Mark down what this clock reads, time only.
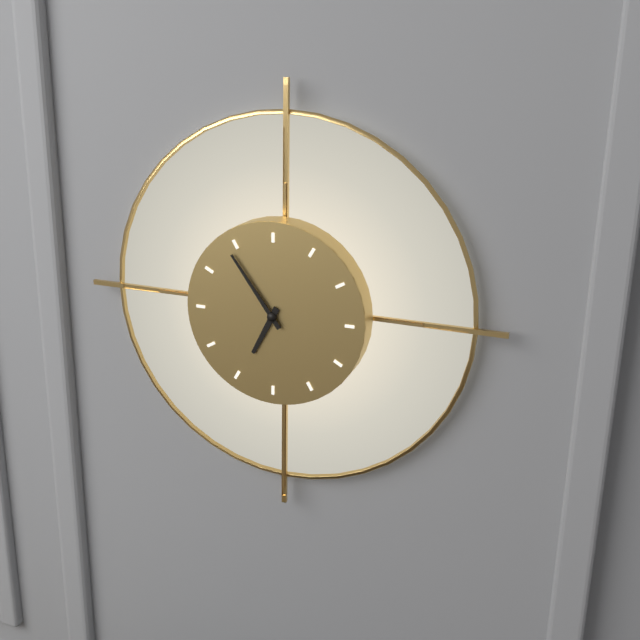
6:54
